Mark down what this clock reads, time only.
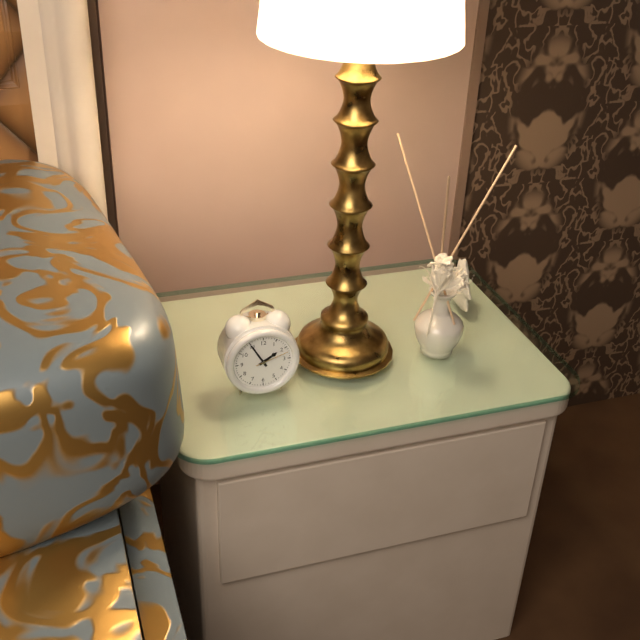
1:55
